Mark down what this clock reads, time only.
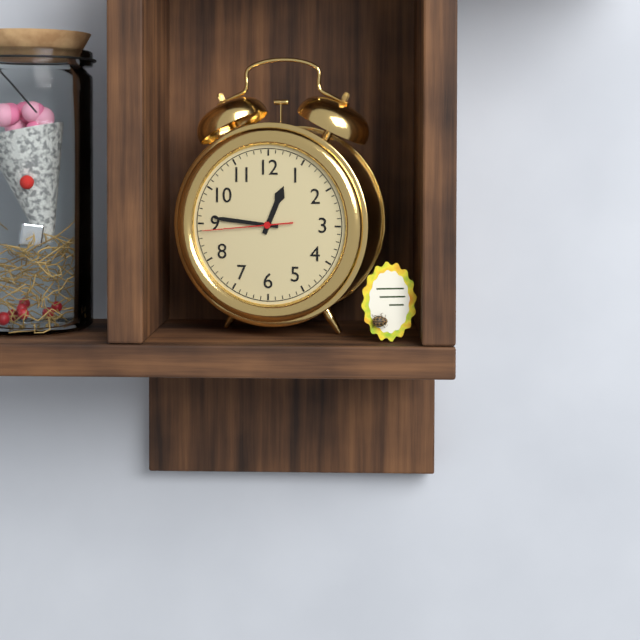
12:46:44
